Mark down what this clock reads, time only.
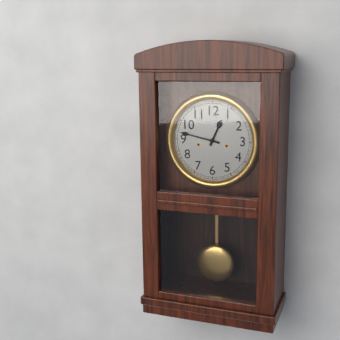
12:47
